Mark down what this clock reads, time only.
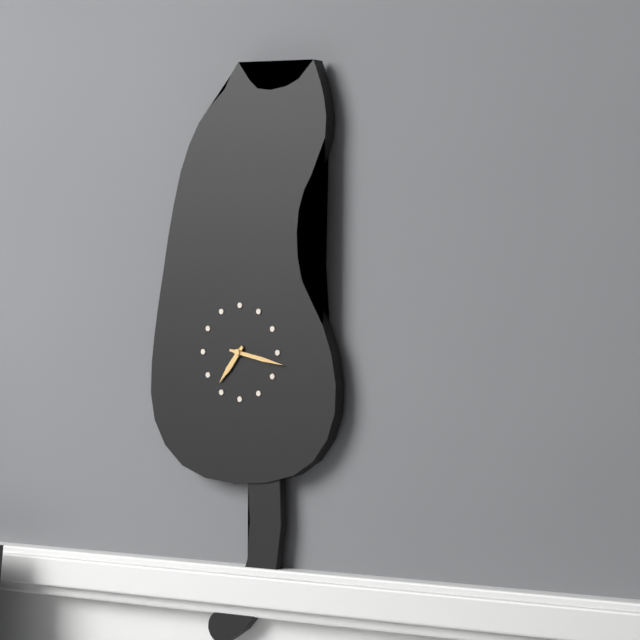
7:17
